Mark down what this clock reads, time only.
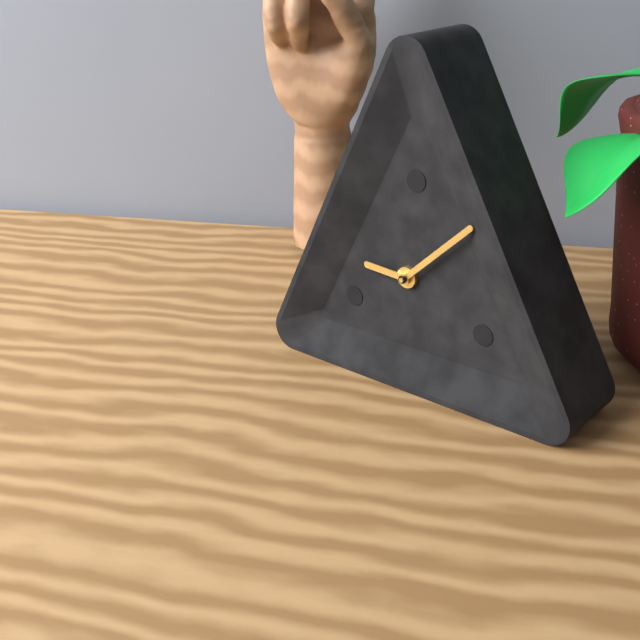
9:08
